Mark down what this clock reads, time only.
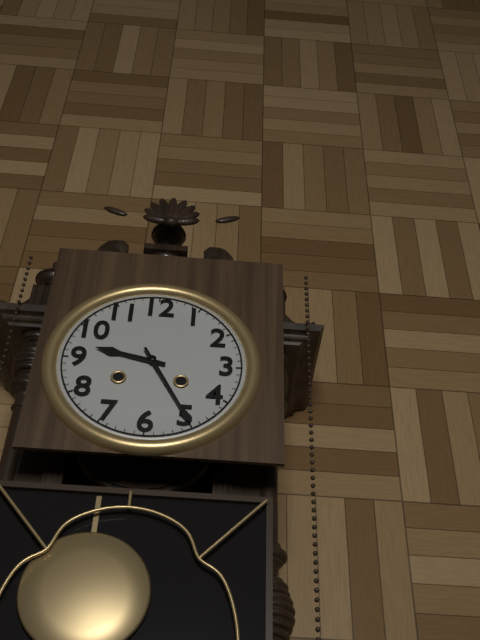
9:25
